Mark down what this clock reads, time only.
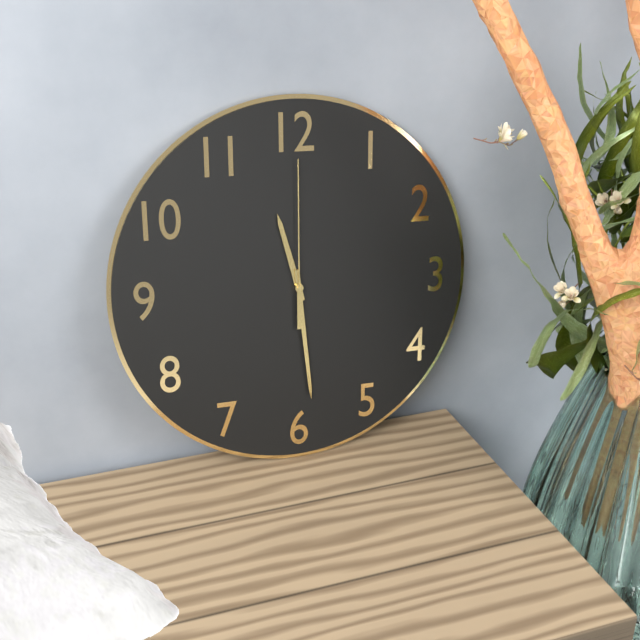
11:29:00
